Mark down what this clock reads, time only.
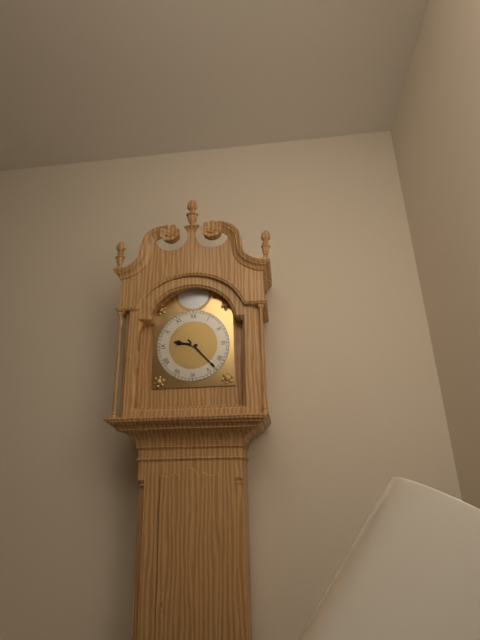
9:23
